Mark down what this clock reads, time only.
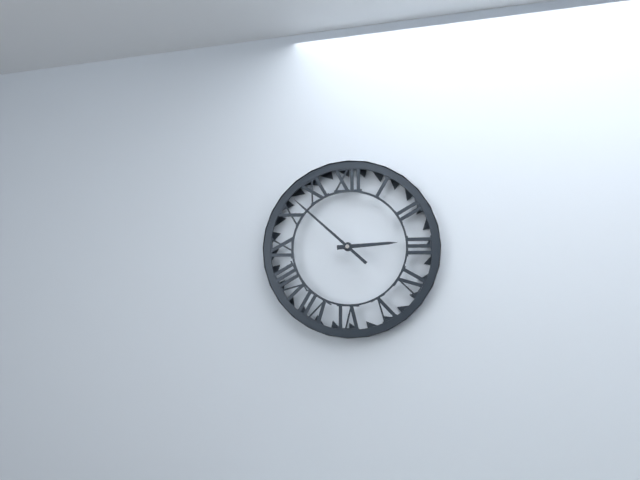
2:52
